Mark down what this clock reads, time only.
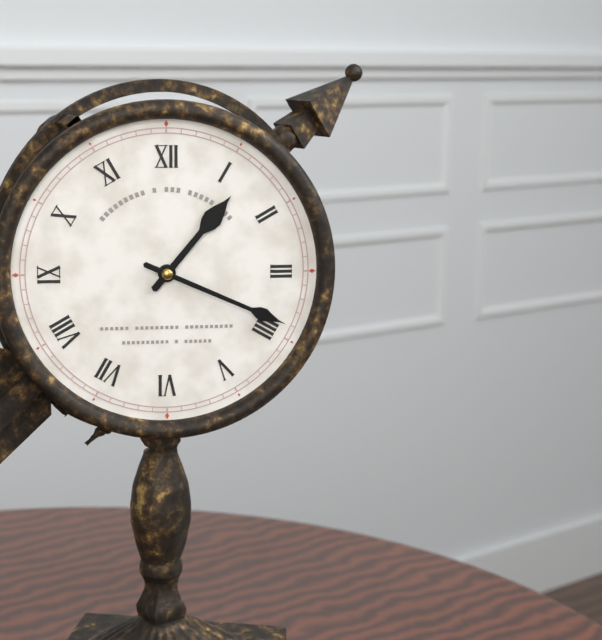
1:19
